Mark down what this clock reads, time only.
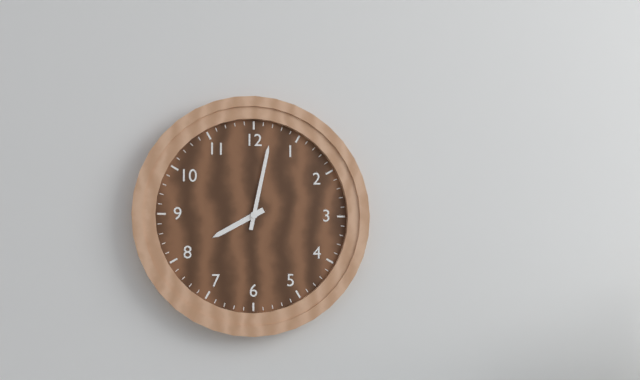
8:02
